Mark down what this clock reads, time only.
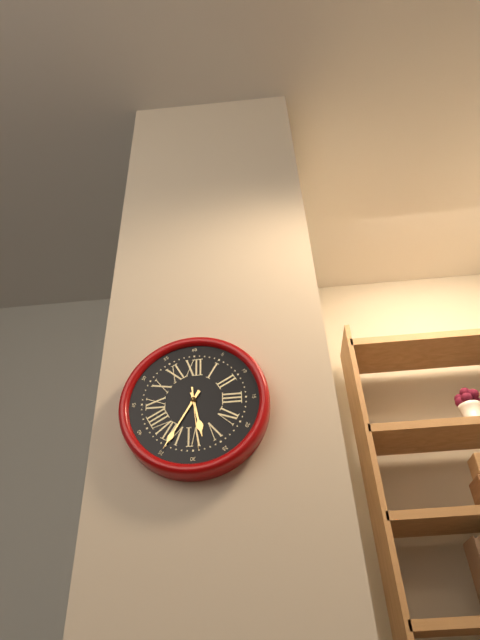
5:35:29
